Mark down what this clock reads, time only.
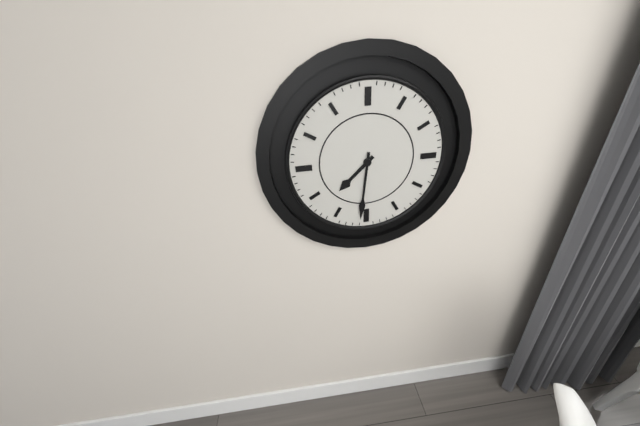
7:31
